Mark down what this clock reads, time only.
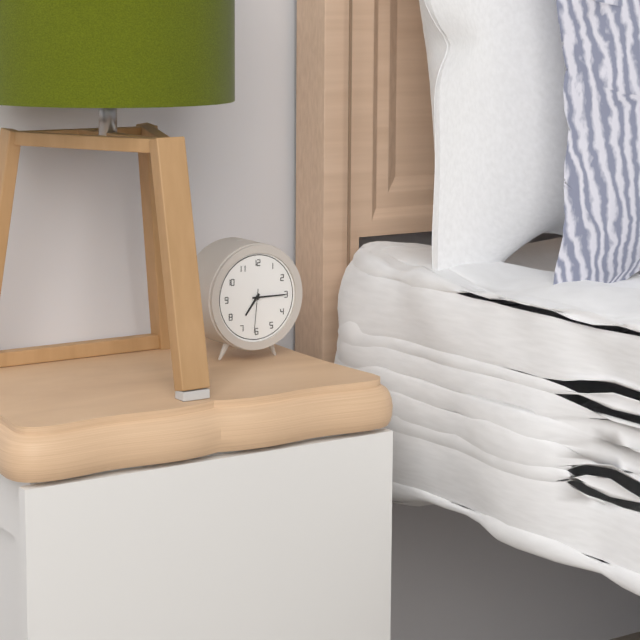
7:15
